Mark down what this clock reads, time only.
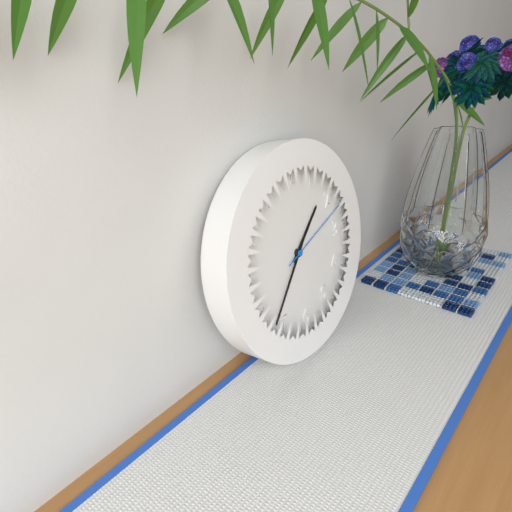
1:37:12
